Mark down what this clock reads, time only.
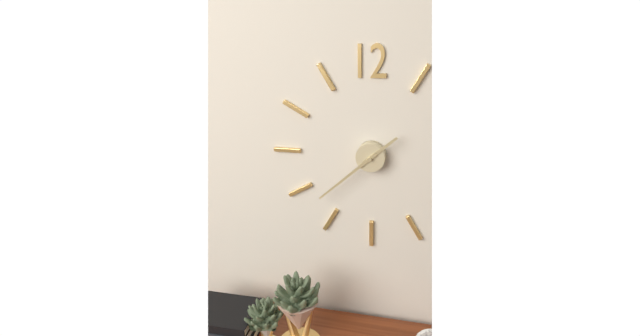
1:38
